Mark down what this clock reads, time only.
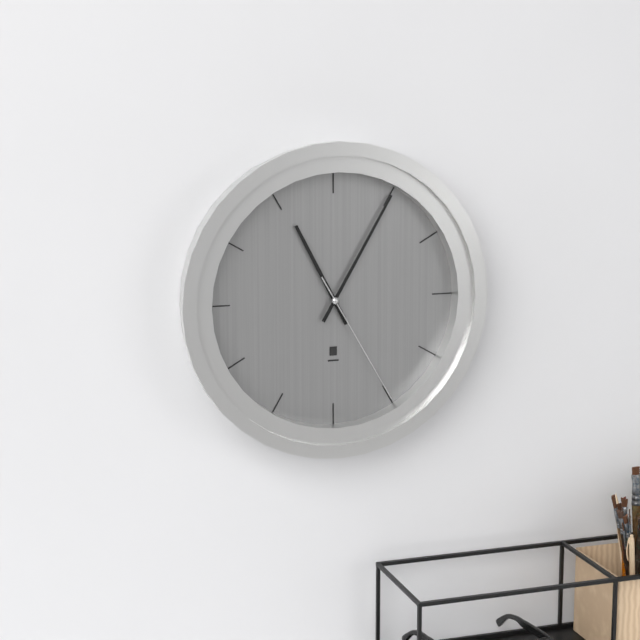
11:05:25
